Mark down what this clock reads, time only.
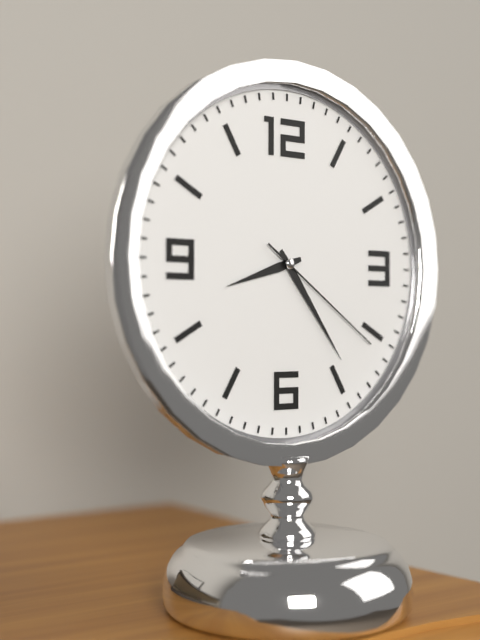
8:24:21
